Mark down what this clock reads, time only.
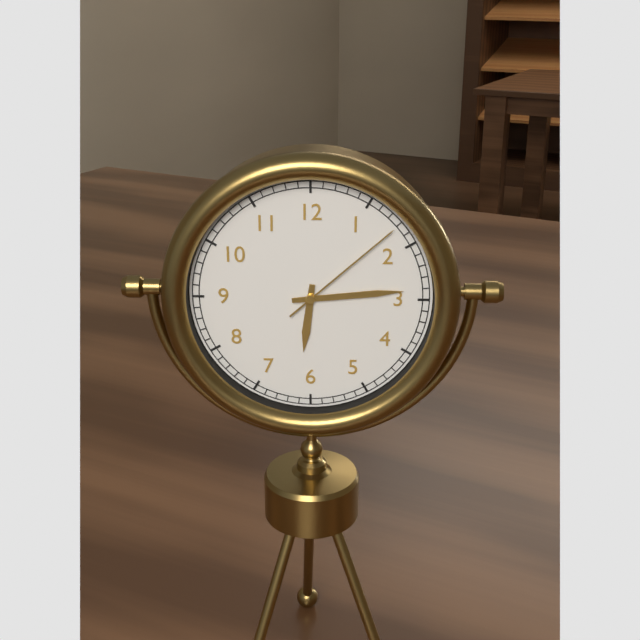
6:14:08
